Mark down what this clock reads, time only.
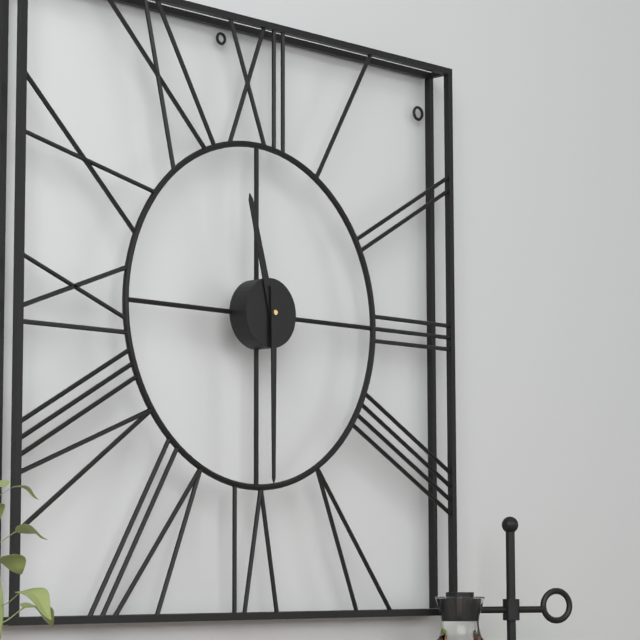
11:30
